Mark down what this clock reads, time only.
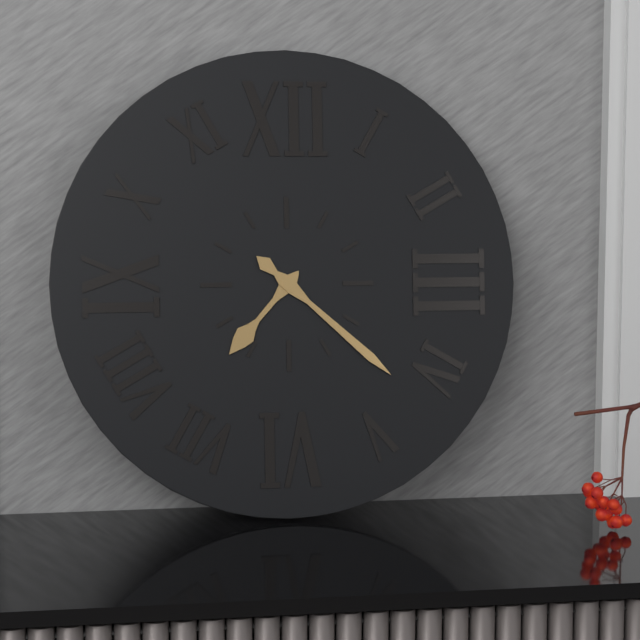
7:22
